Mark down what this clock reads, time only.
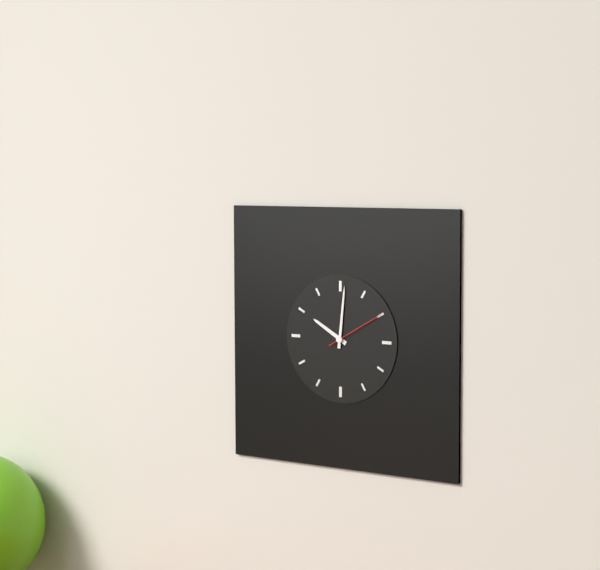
10:01:10
